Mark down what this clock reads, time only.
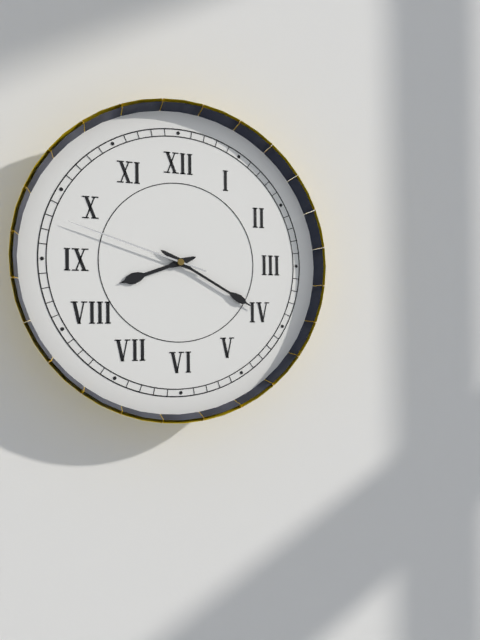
8:20:48
